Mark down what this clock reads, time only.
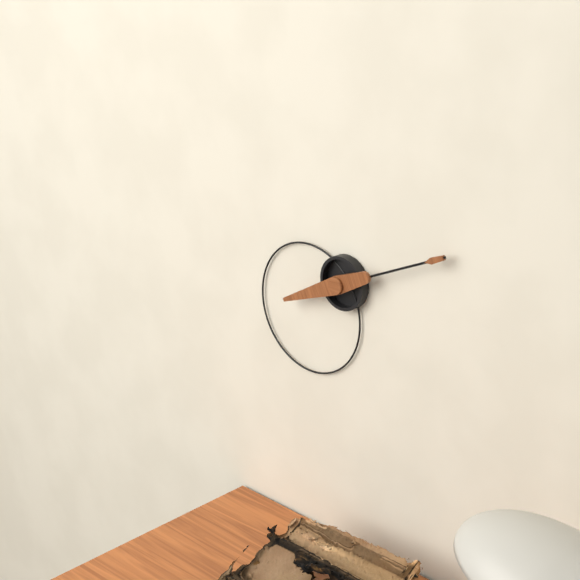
8:11
